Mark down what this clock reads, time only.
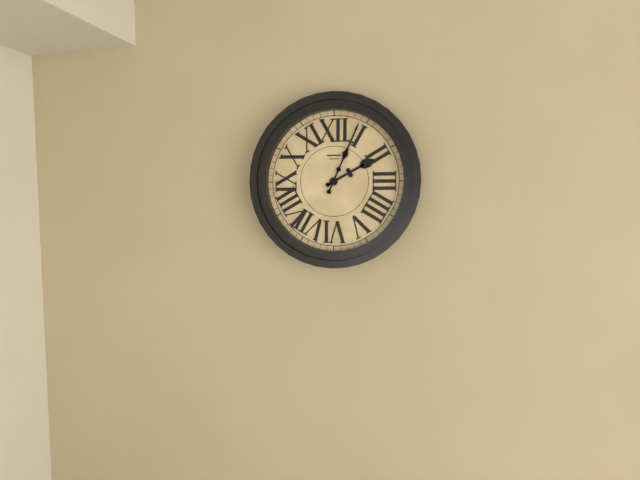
2:04
